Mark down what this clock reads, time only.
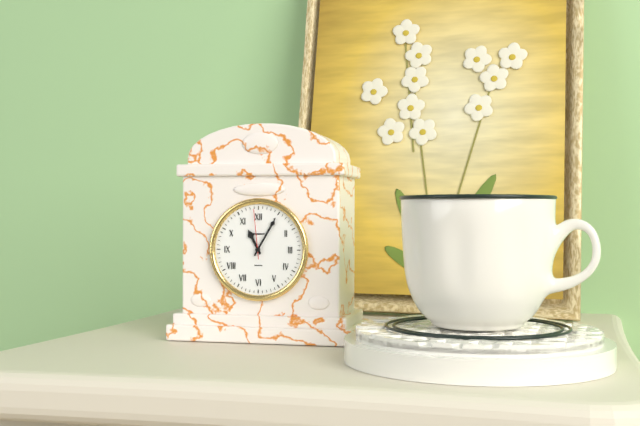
11:05:59
